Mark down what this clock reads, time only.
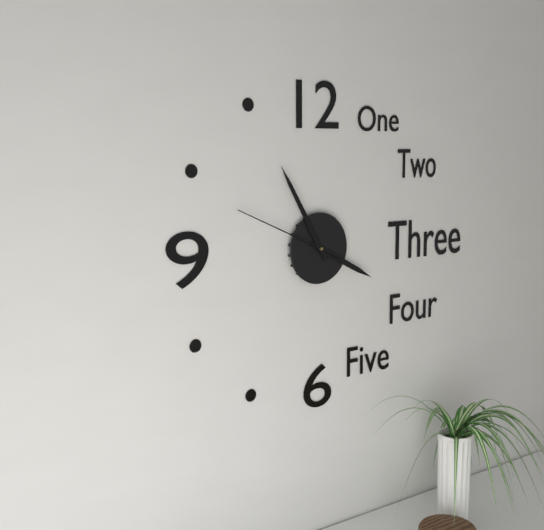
3:55:49
